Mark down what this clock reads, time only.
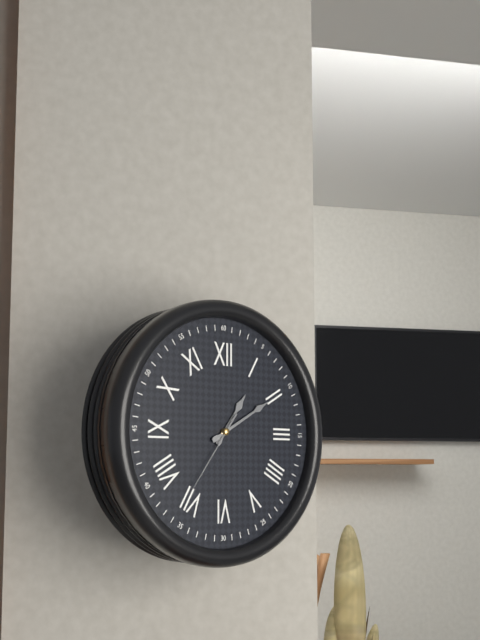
1:10:36
